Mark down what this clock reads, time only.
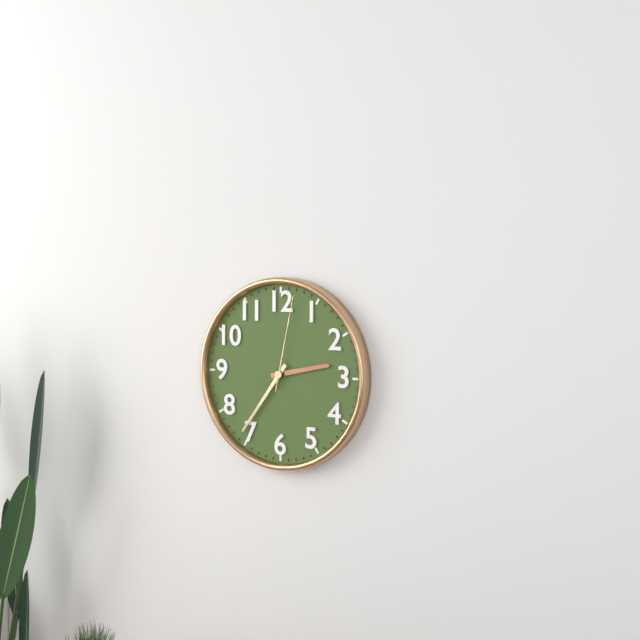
2:36:02
